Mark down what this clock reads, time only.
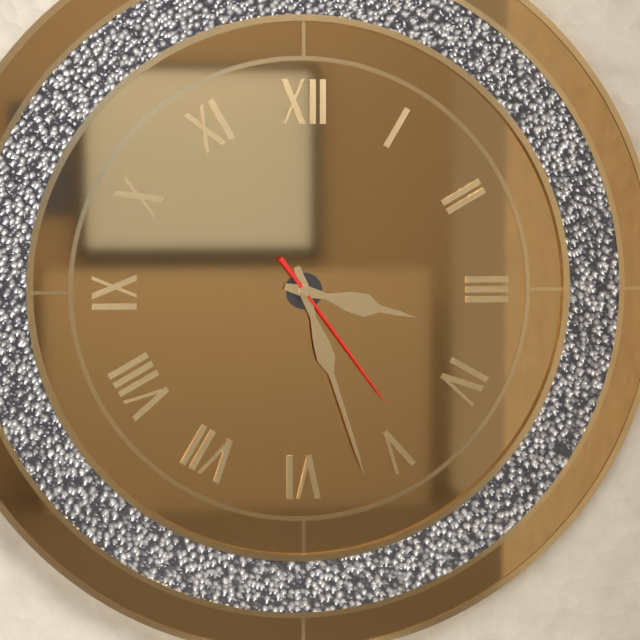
3:27:24
